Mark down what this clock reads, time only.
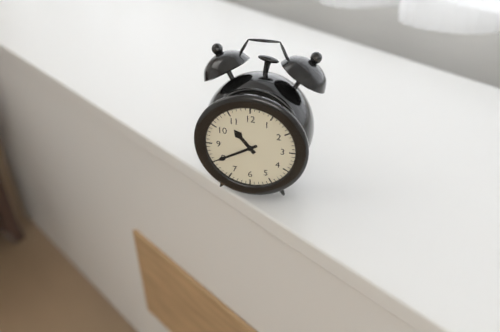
10:40
